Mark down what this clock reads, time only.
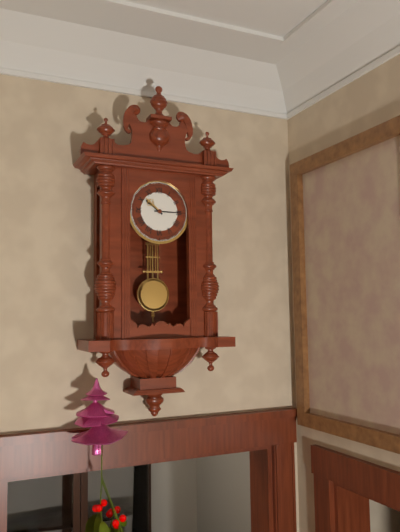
10:15
